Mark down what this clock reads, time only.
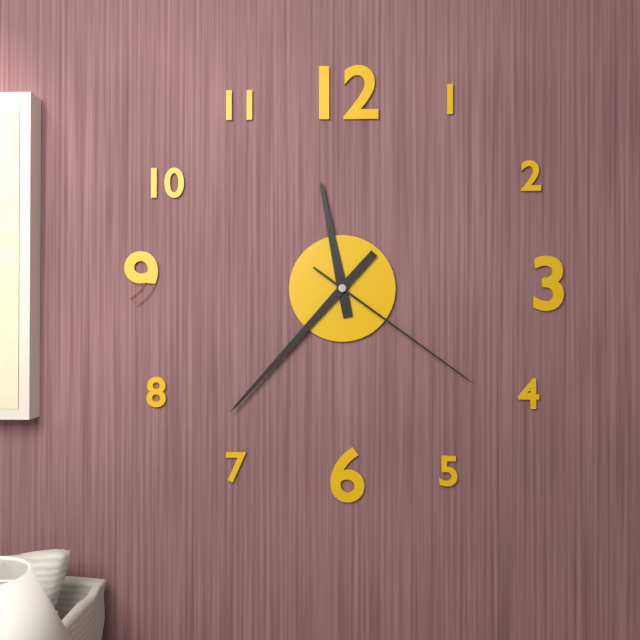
11:37:21
